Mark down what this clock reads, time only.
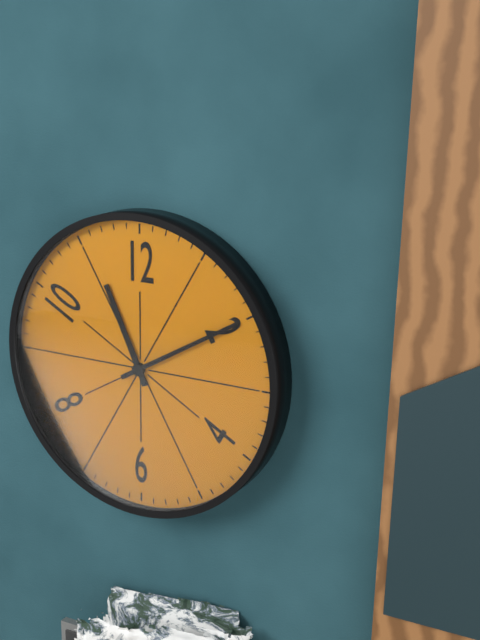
11:10
